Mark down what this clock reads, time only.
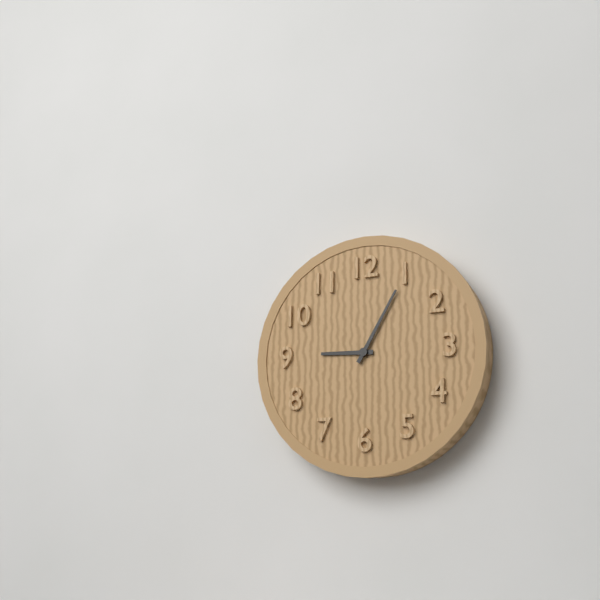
9:05
